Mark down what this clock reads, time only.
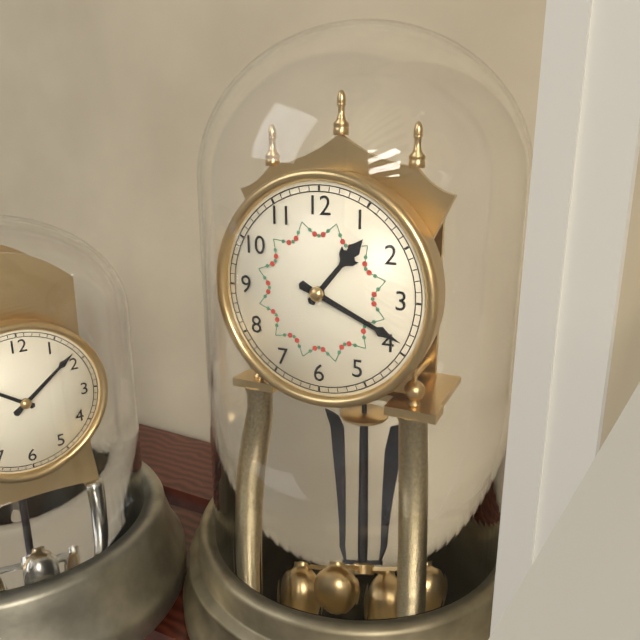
1:19
